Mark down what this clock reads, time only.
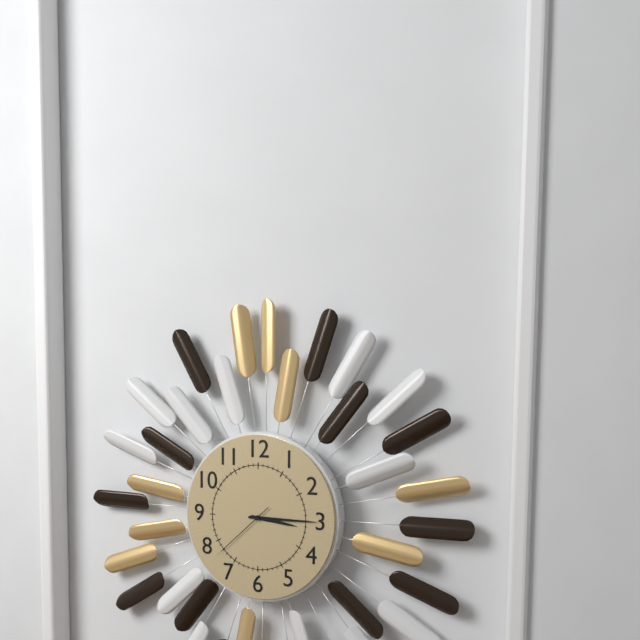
3:15:38
